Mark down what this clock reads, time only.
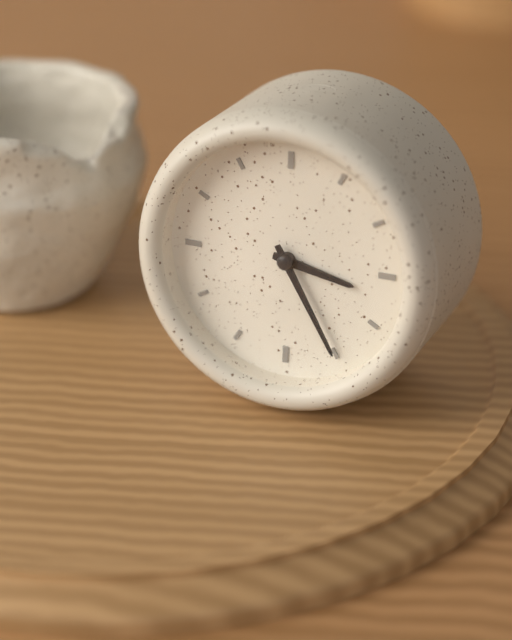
3:25
